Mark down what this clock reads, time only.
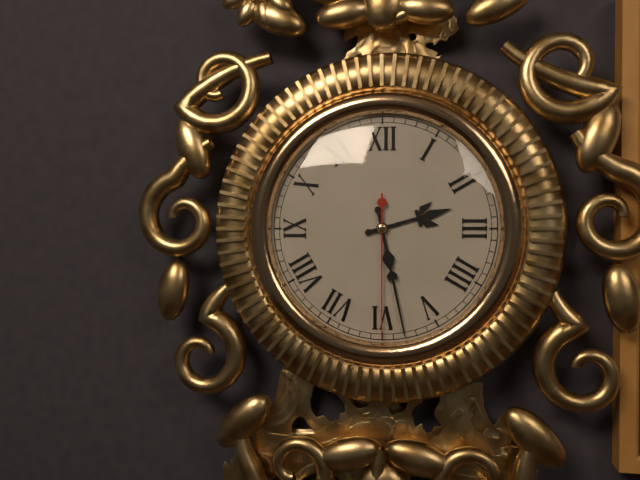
2:28:30
